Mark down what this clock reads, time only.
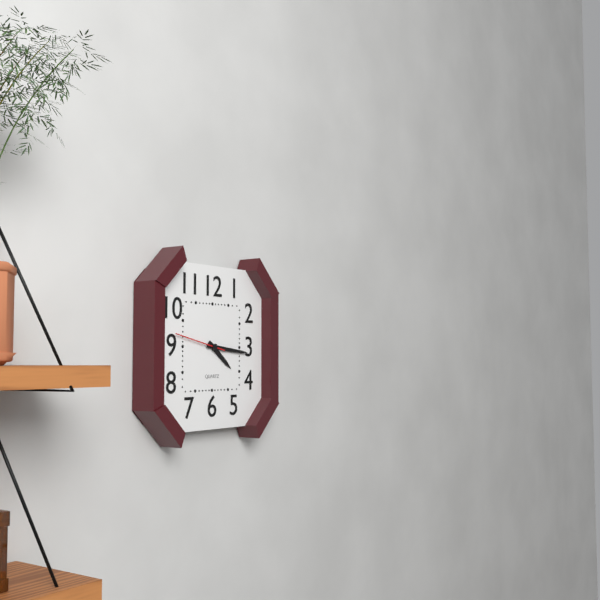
4:16:47
